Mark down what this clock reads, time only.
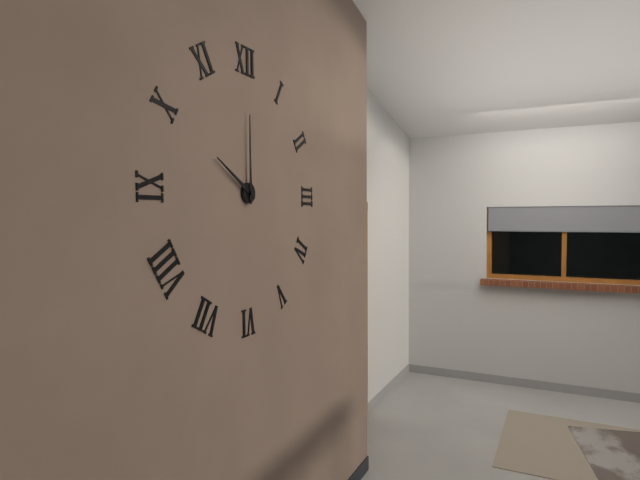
10:00
